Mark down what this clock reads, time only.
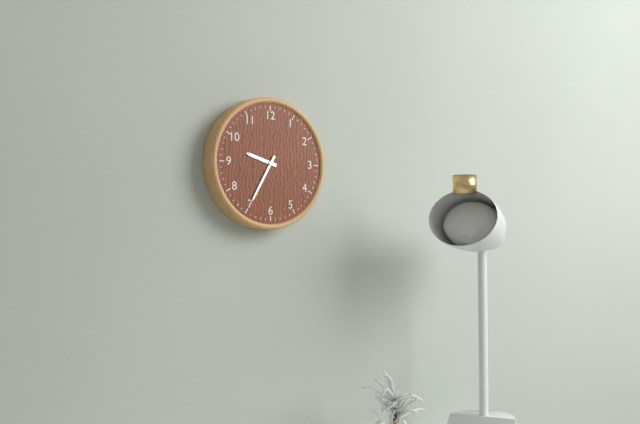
9:35
